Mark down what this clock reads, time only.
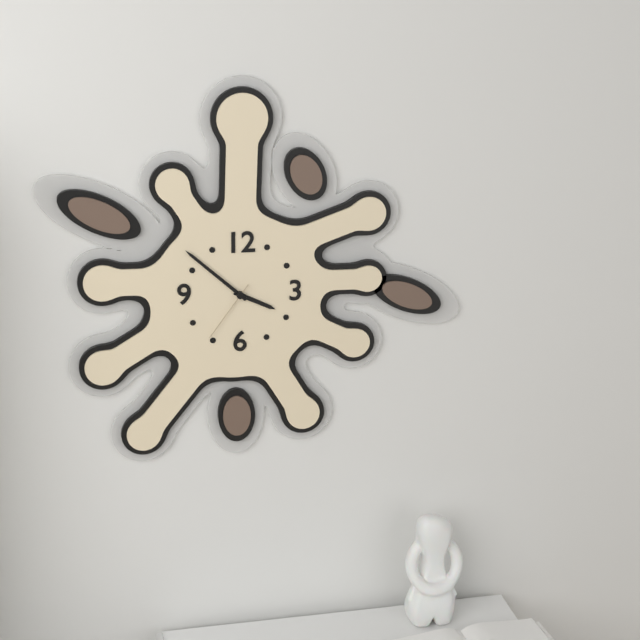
3:52:36
